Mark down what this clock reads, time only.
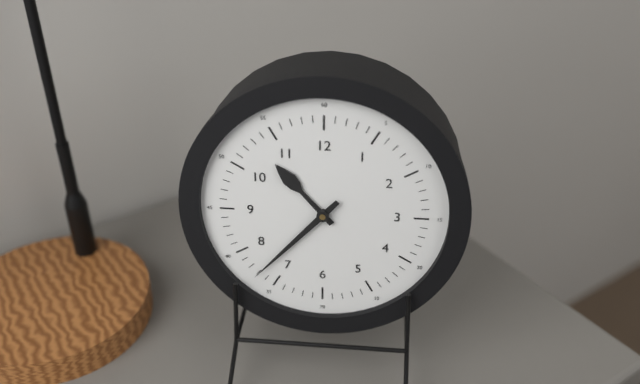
10:37
